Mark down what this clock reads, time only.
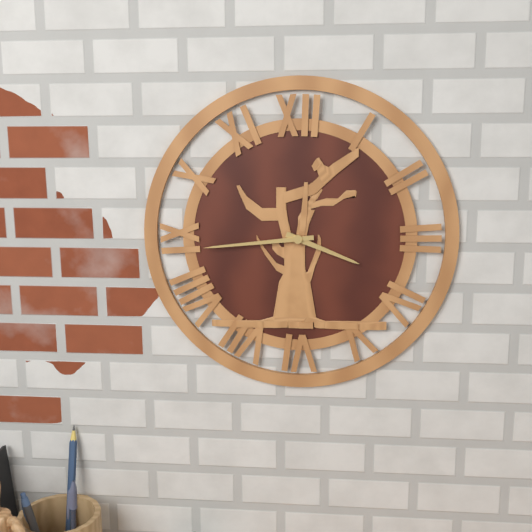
3:44
